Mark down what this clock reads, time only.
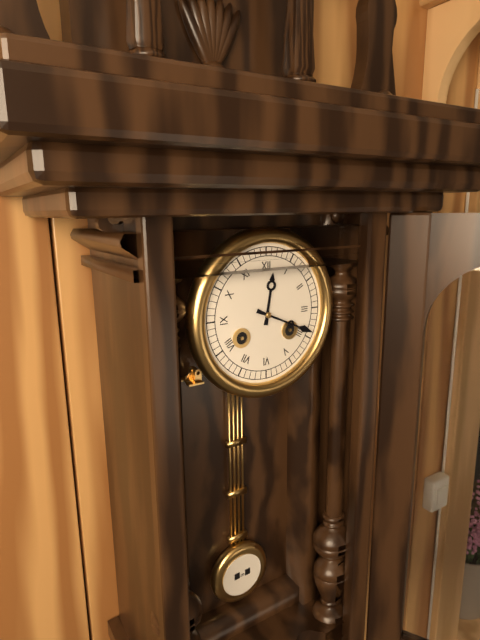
12:19
